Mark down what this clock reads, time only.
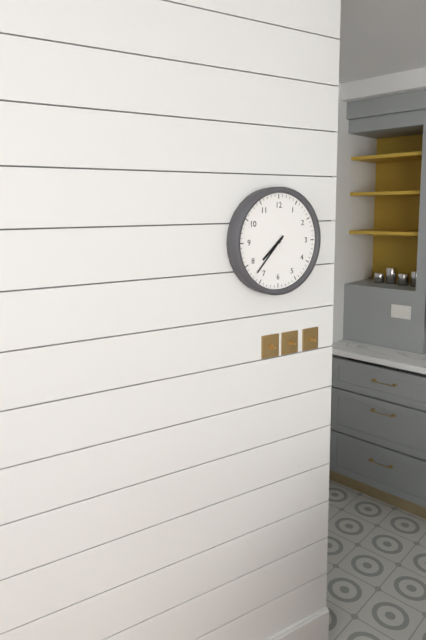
7:37
